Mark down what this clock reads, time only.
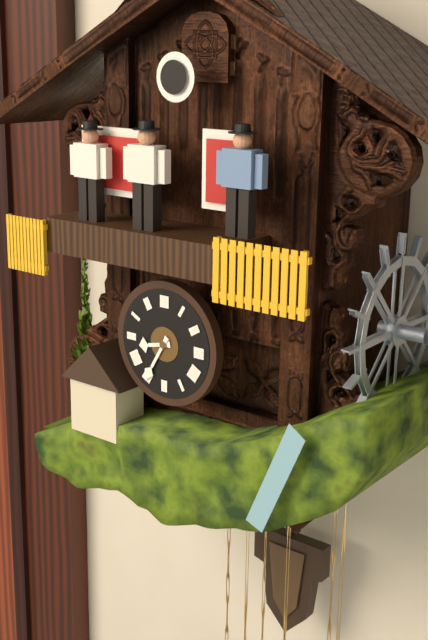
8:35
